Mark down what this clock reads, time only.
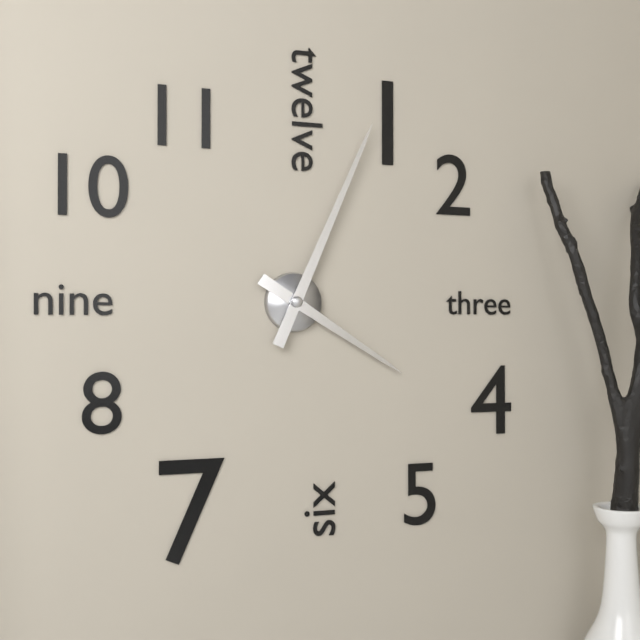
4:04
